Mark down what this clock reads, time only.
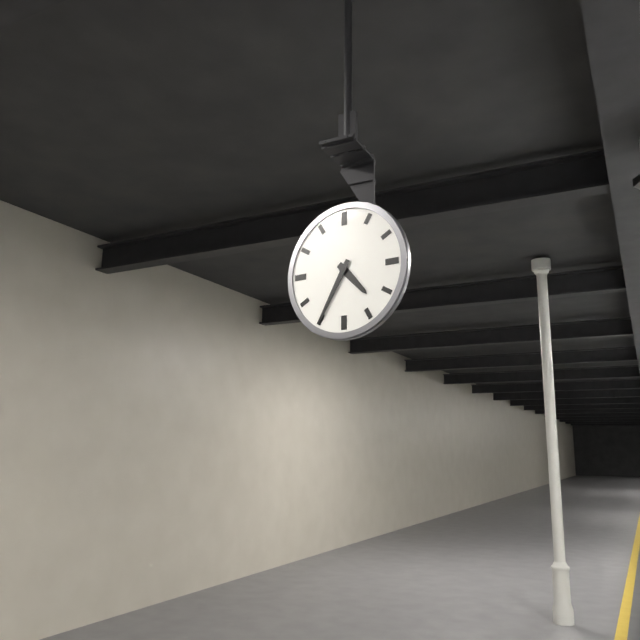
4:35
